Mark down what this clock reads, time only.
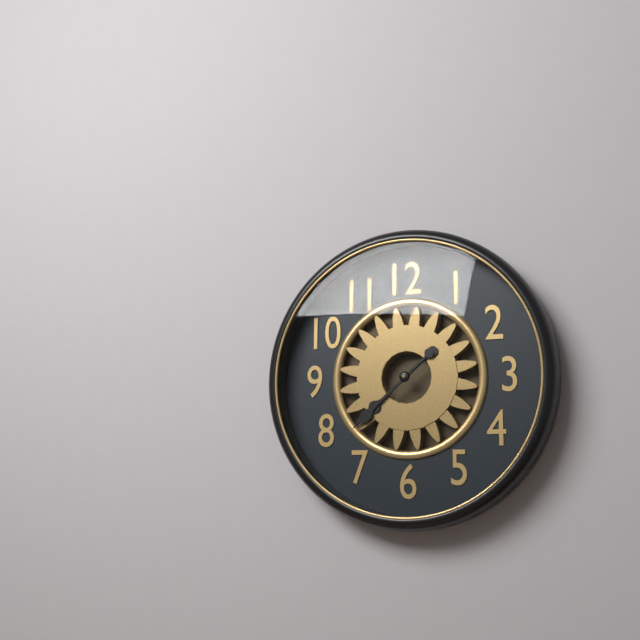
7:38
